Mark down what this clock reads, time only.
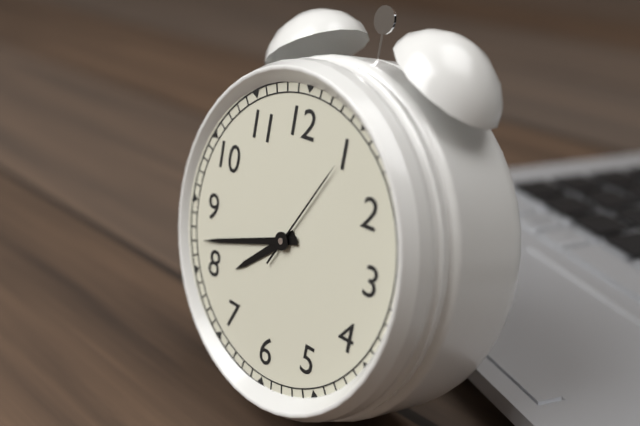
7:42:05
